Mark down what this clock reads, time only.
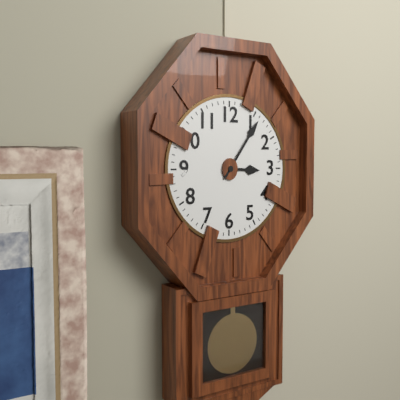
3:06
